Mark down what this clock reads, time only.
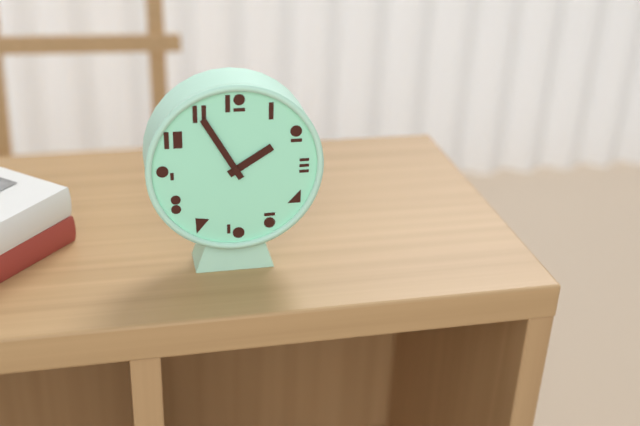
1:55
